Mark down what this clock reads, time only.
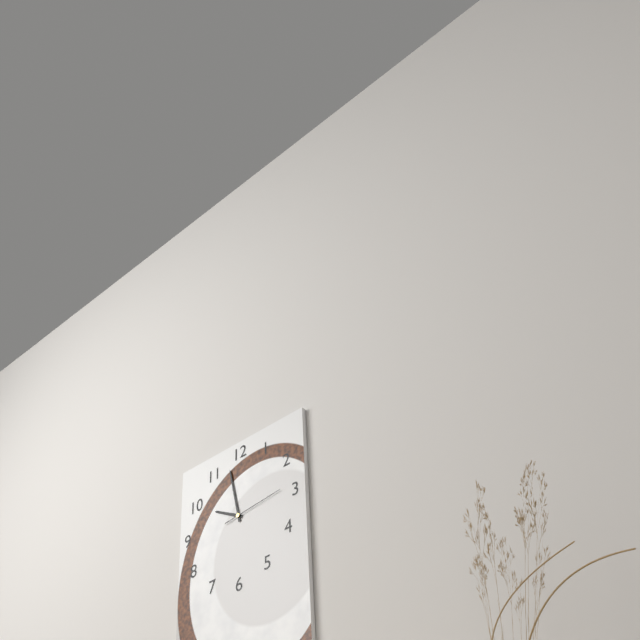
9:58:14
